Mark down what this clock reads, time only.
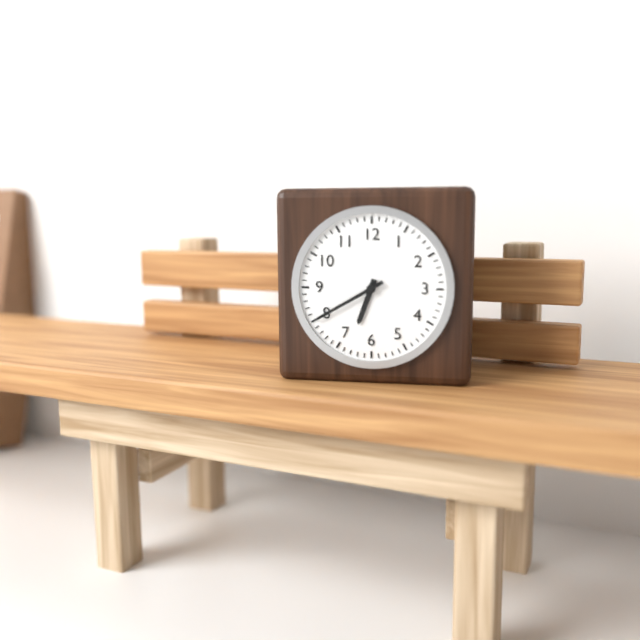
6:40
